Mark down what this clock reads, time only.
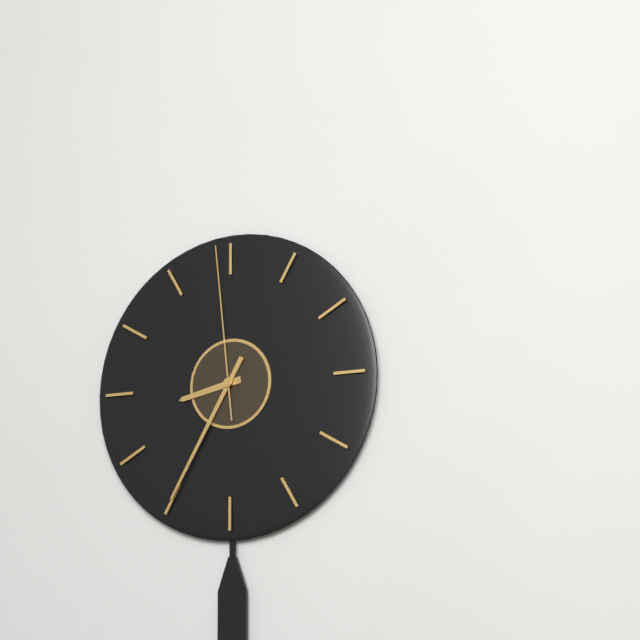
8:35:59
